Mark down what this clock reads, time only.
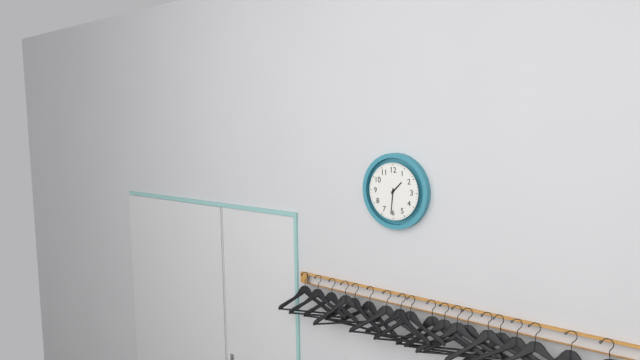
1:31
